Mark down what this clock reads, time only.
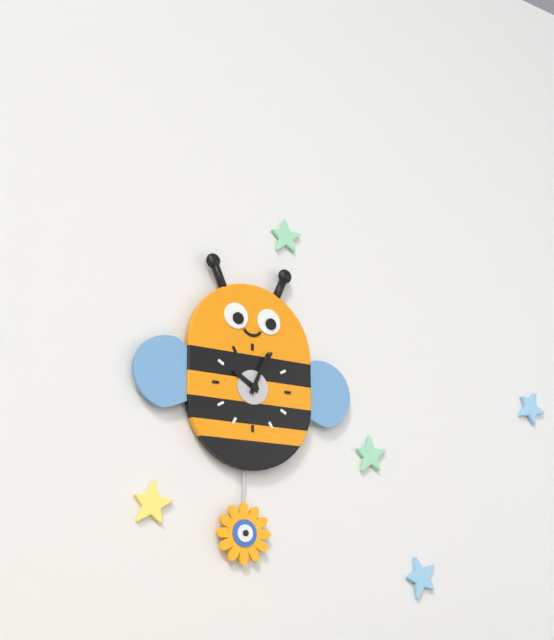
10:04
